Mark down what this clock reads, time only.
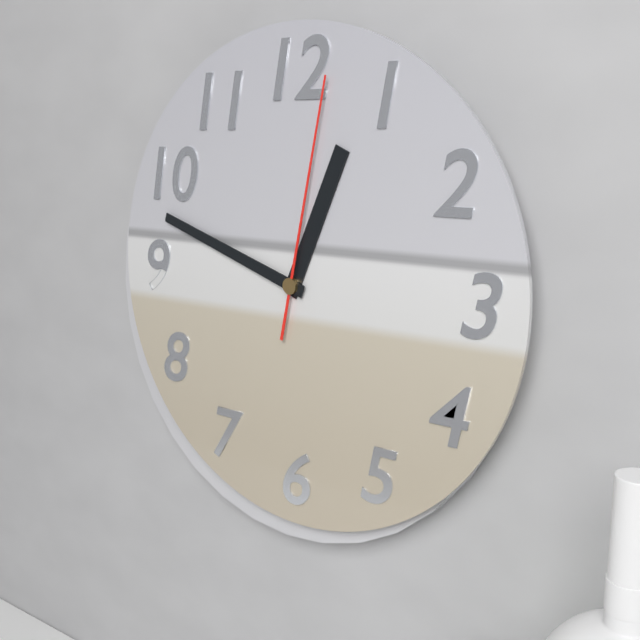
12:48:02
